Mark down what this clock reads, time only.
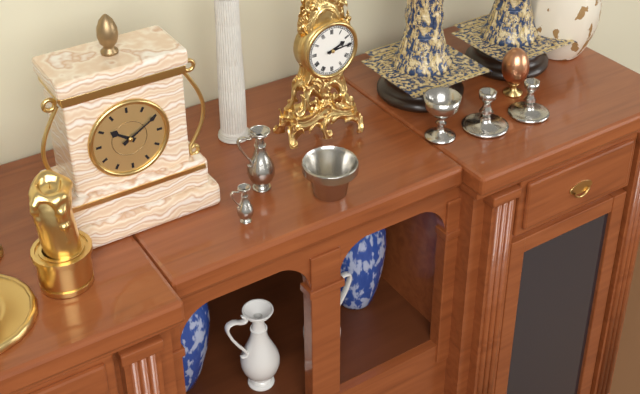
2:14
